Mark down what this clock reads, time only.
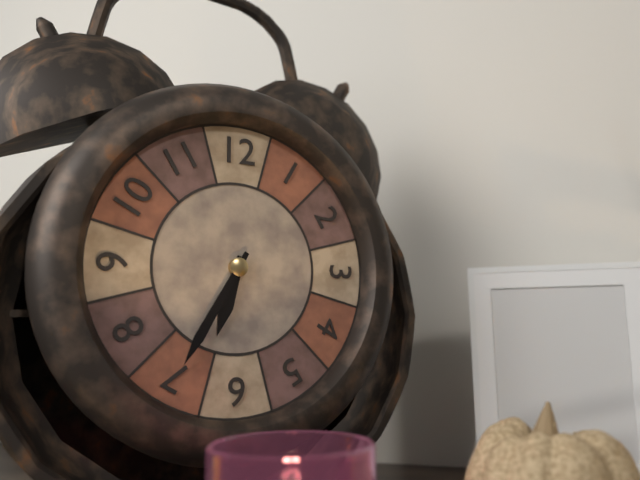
6:35
